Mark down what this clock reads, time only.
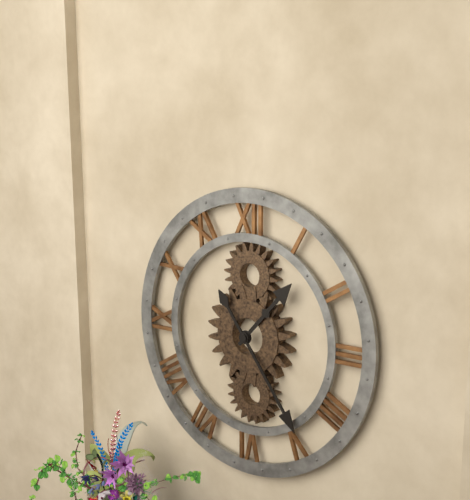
1:24
